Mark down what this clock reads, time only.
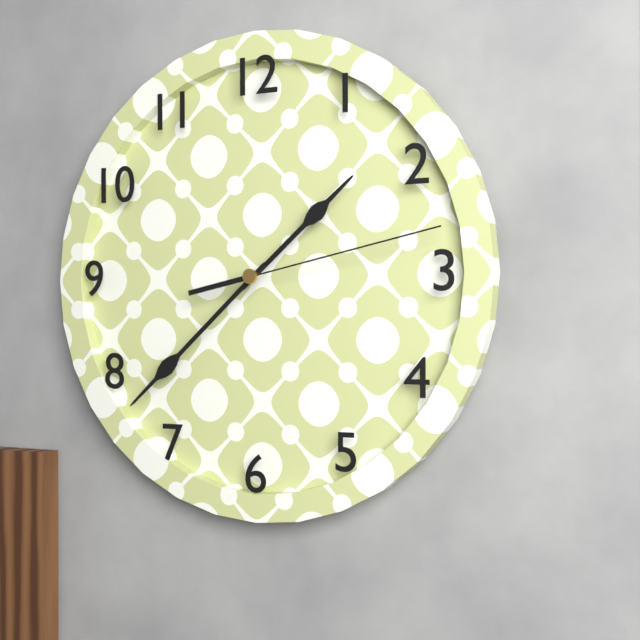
1:38:13
